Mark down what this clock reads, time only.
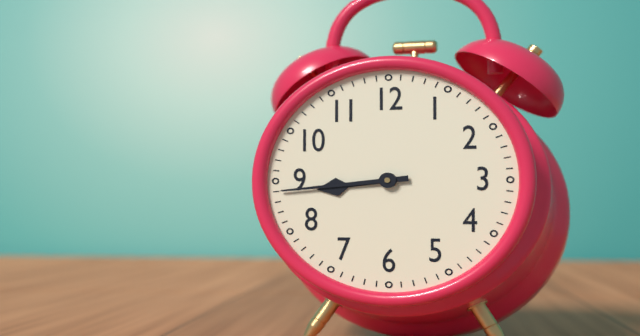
8:44
